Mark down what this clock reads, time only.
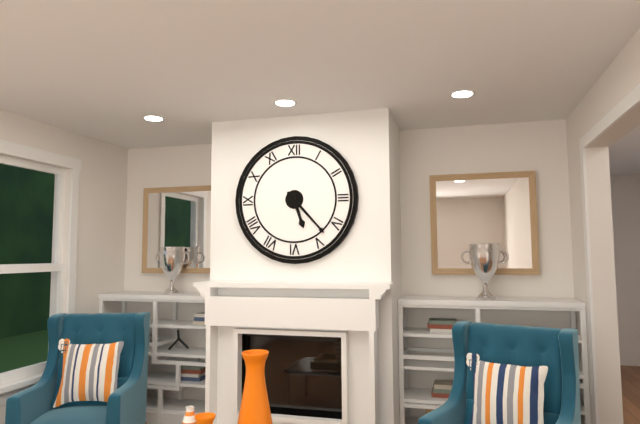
5:23
